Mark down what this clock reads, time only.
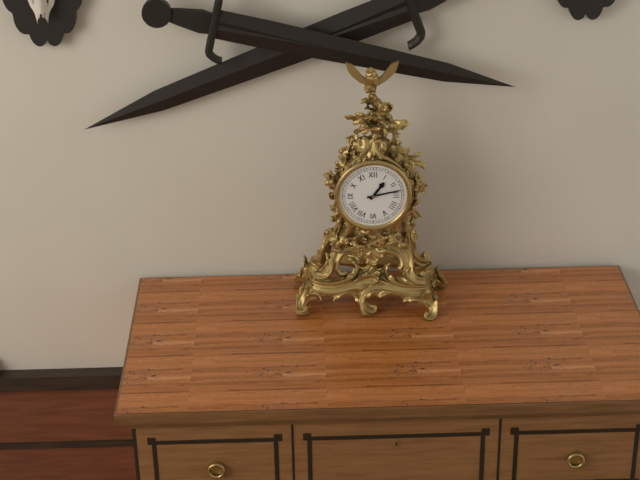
1:13
